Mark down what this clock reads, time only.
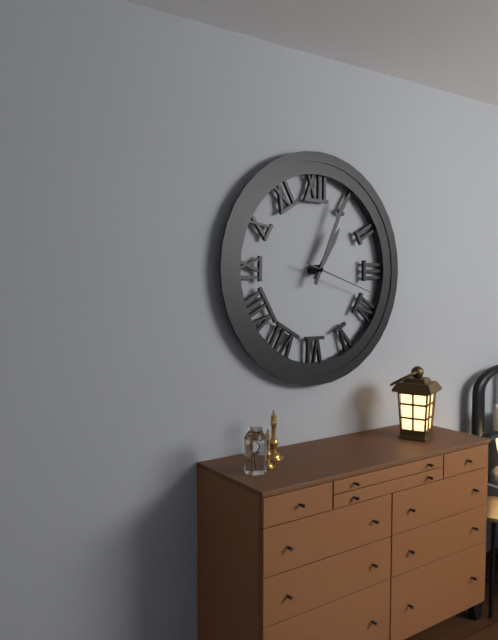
1:04:18
